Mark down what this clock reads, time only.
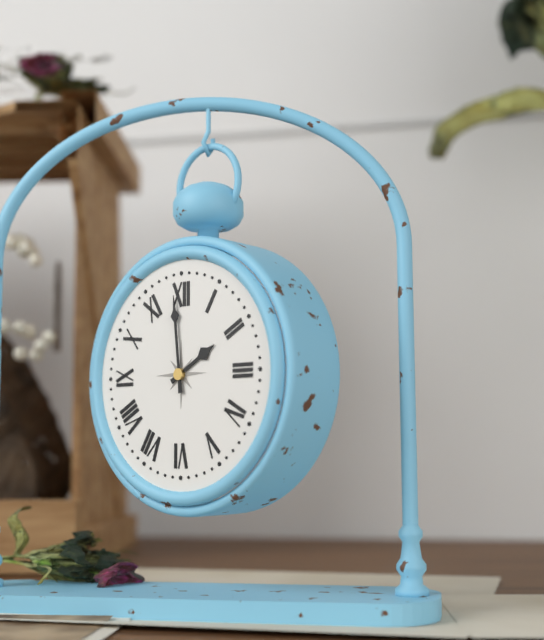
1:59
